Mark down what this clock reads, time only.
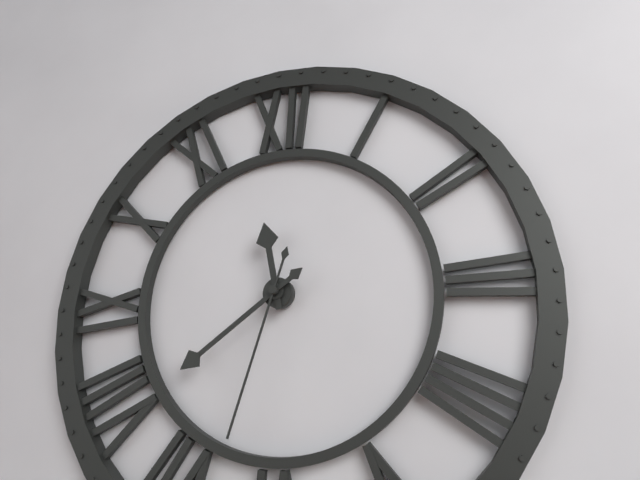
11:39:33
